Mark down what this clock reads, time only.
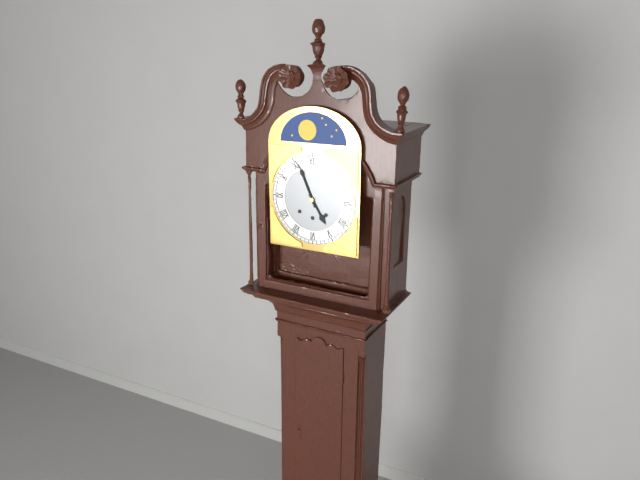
4:56
